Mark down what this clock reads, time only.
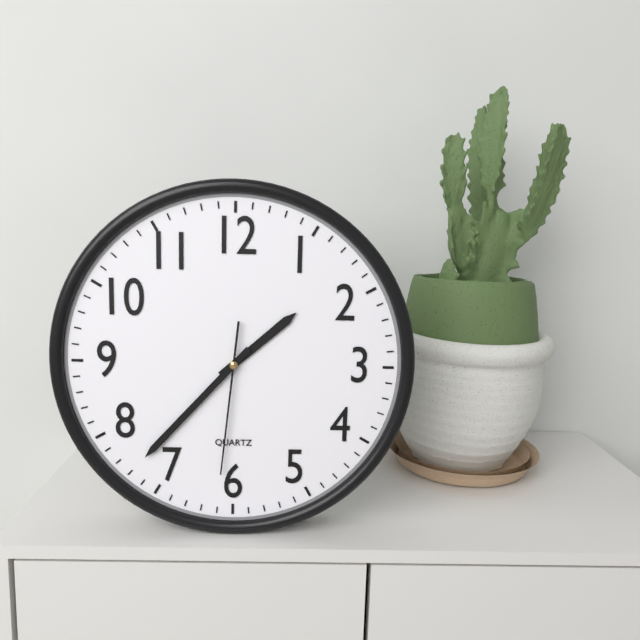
1:37:31
